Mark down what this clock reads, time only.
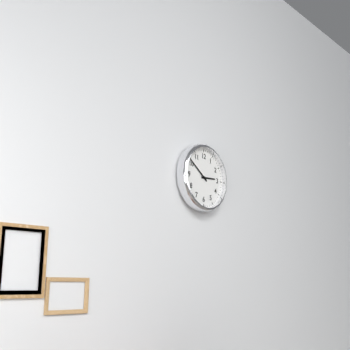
2:51
